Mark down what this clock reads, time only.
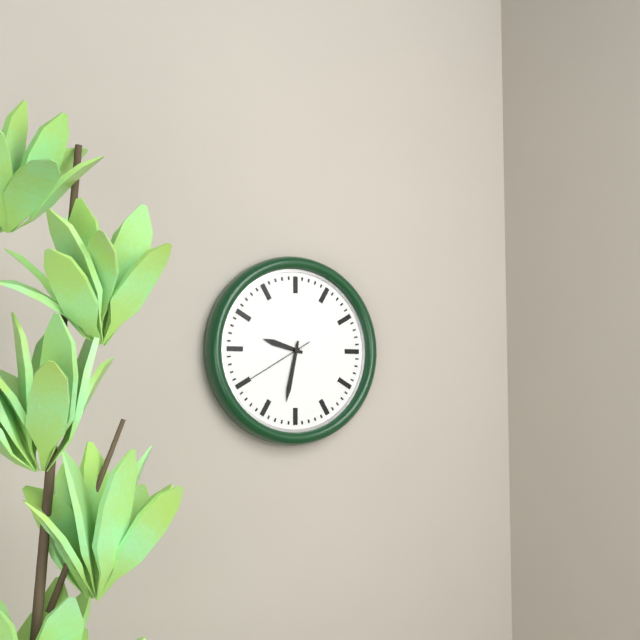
9:32:40
